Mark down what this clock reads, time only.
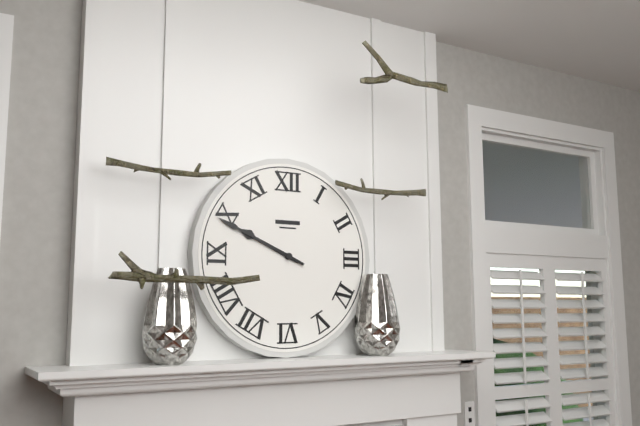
9:49
